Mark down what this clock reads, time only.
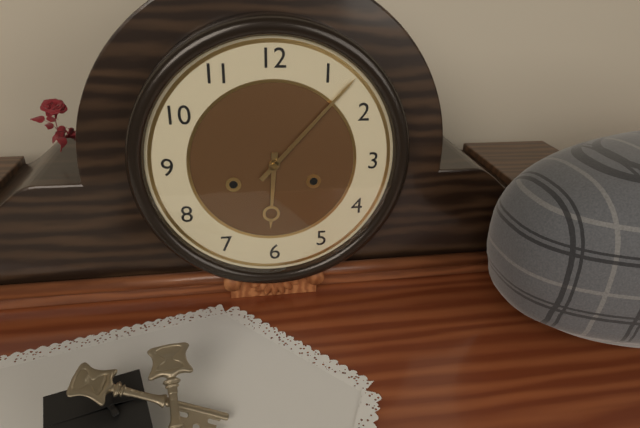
6:07
